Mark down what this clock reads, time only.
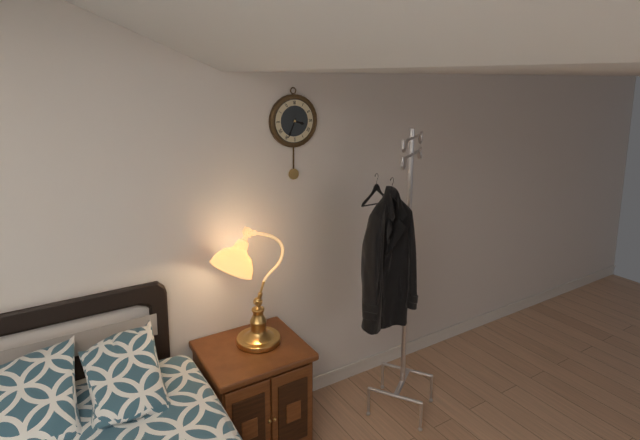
3:34
